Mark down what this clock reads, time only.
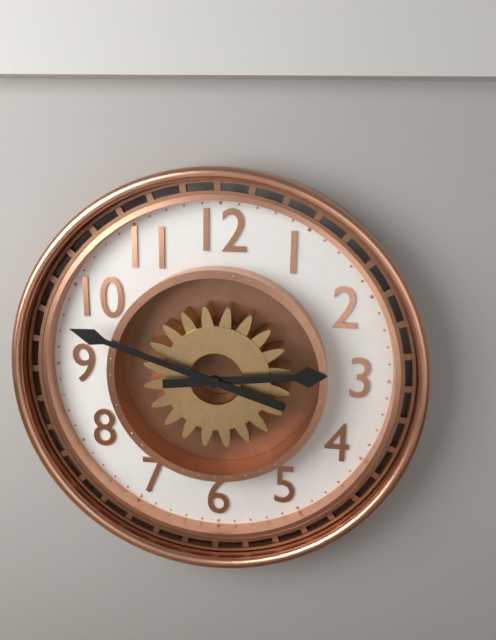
2:48
